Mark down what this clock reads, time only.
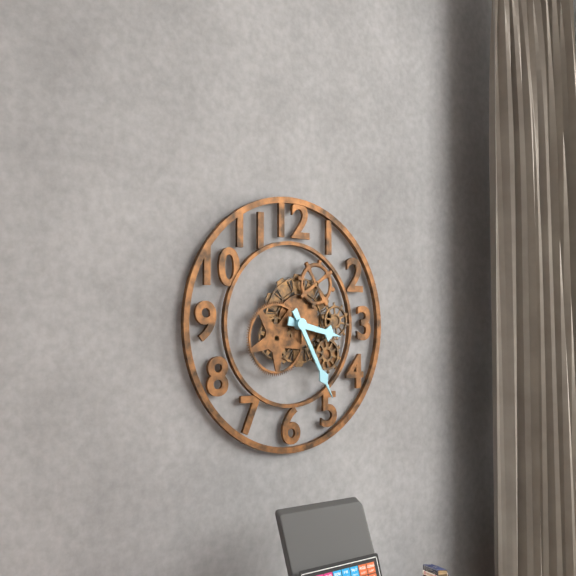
3:25
